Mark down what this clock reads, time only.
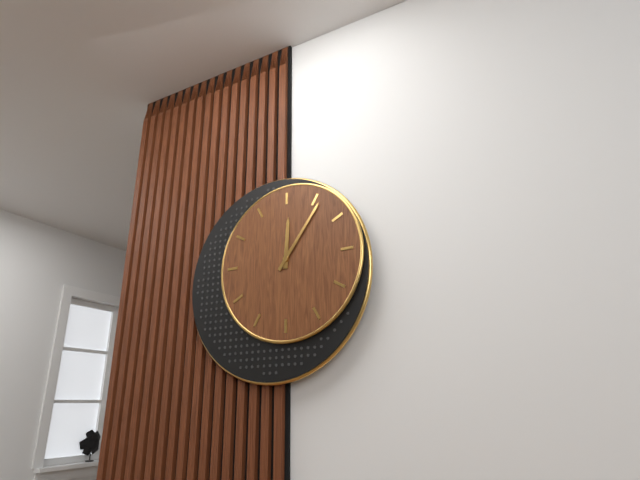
12:06
